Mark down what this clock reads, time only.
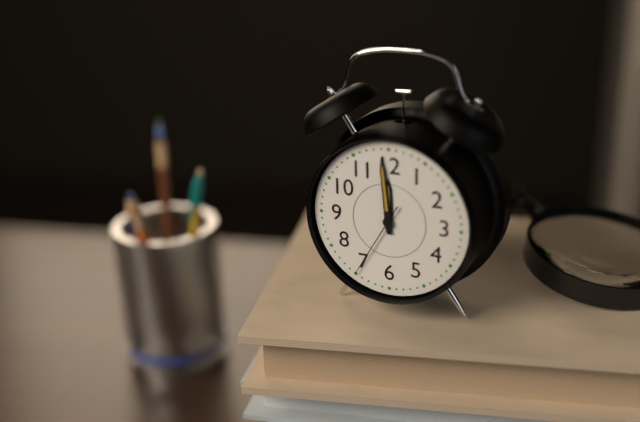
11:59:35
